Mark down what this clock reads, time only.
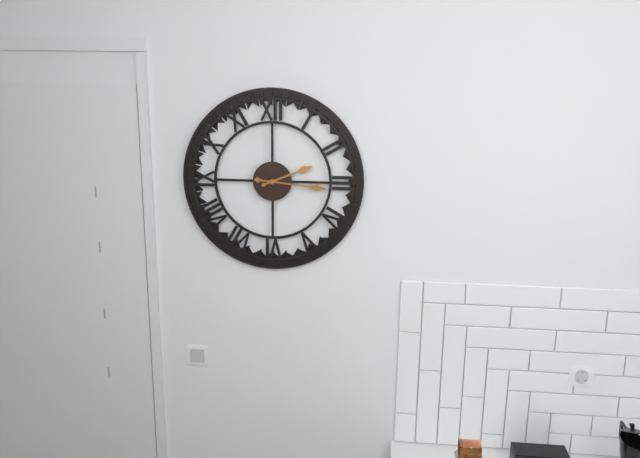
2:16
